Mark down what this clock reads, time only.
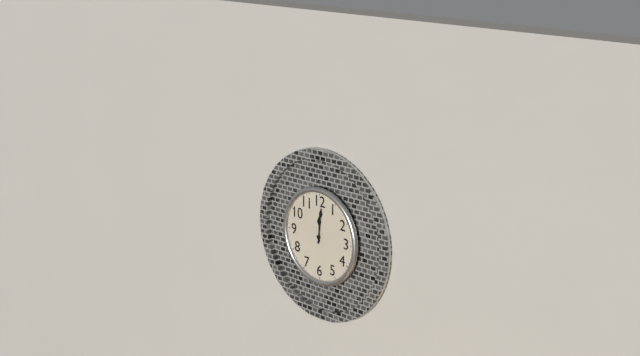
12:01
